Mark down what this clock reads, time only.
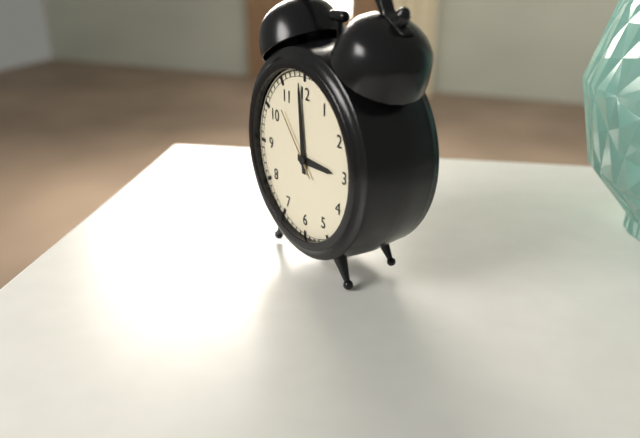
2:59:53
